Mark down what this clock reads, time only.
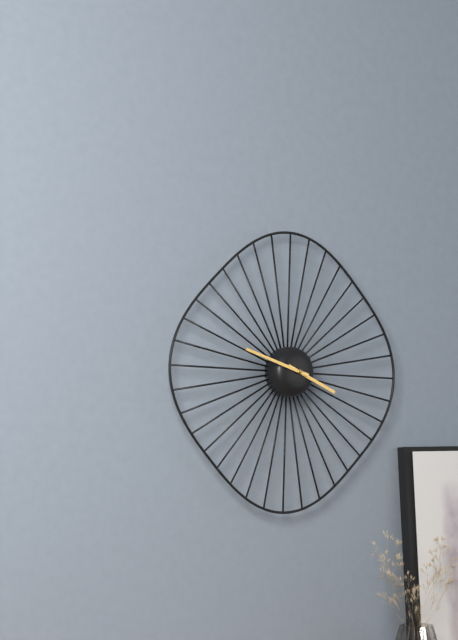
3:48
